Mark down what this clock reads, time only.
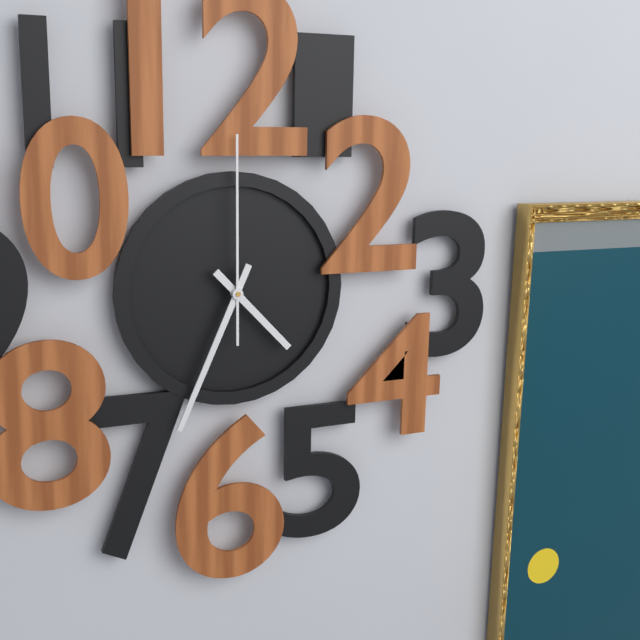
4:34:00
